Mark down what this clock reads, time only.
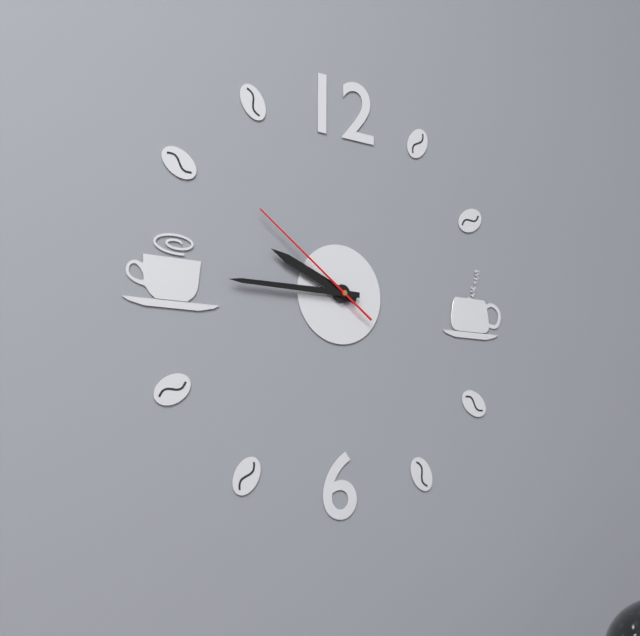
9:45:51
